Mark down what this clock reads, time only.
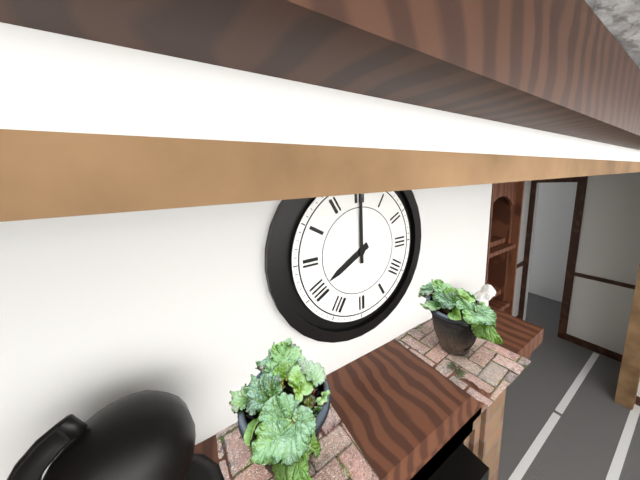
8:00
